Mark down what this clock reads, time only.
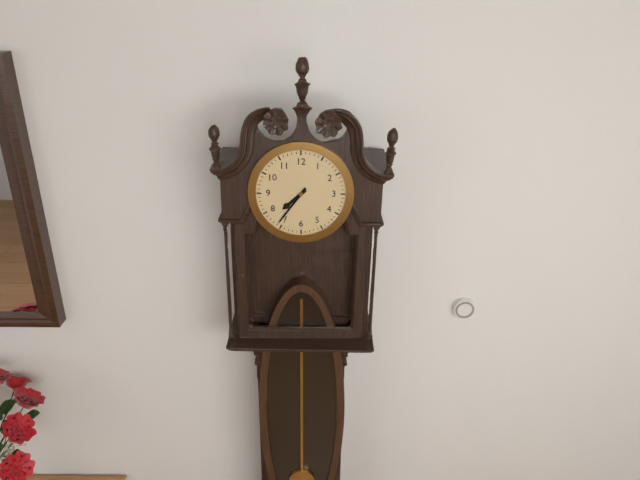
7:36
